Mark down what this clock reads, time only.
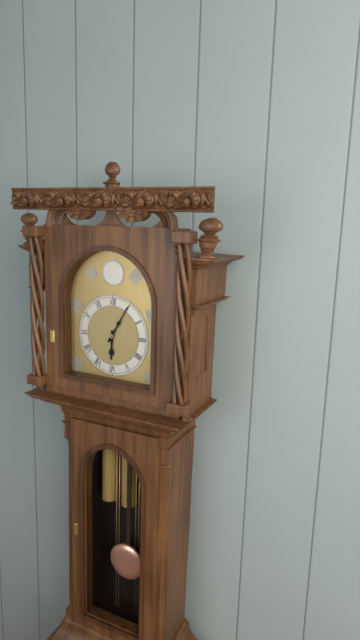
6:05
